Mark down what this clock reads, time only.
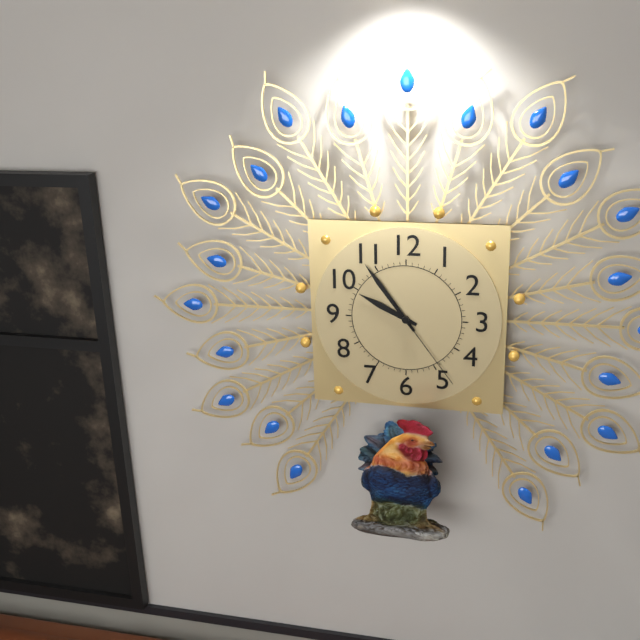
9:54:24
